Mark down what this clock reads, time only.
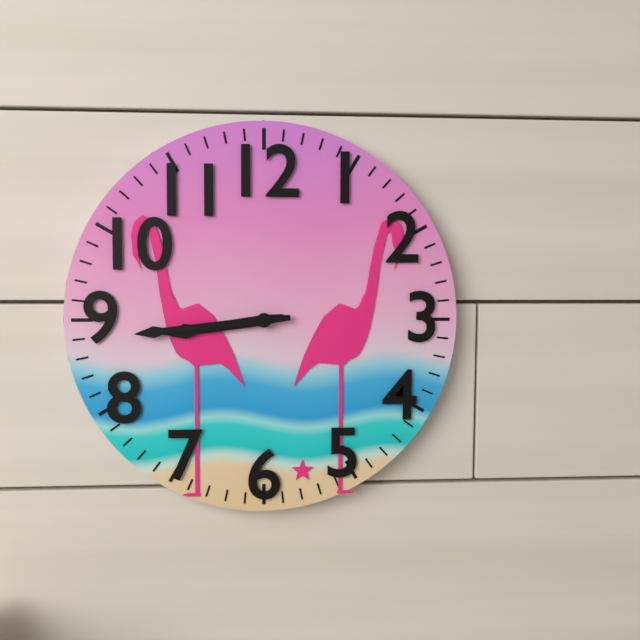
8:44
